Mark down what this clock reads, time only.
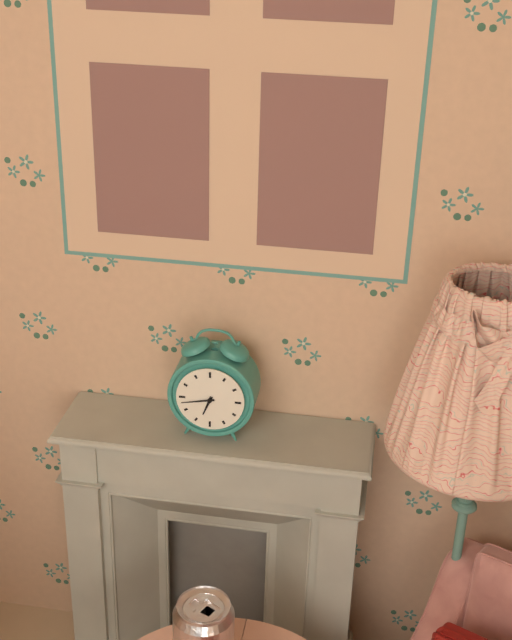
6:43
